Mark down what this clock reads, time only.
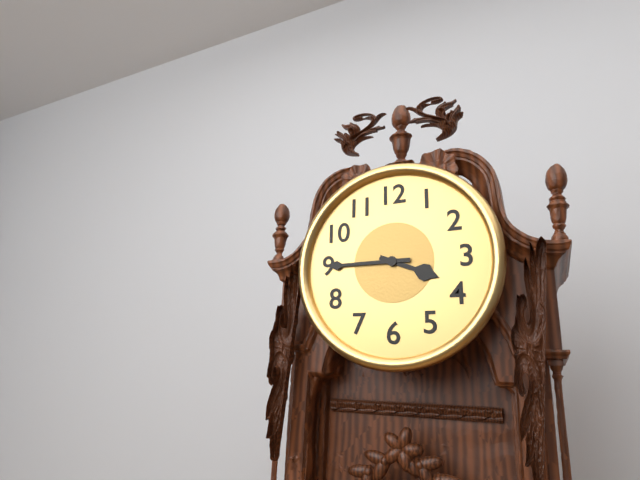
3:45
